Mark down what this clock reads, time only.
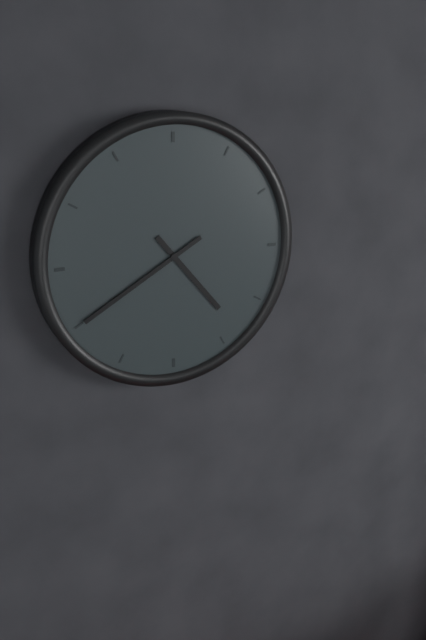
4:40
